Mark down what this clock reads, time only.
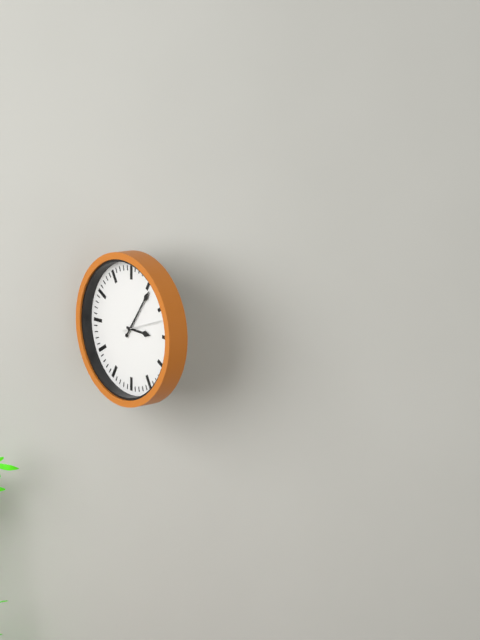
3:06
